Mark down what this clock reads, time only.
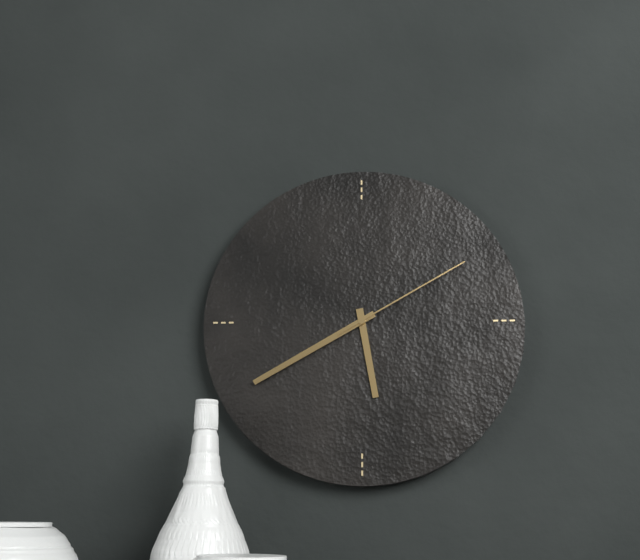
5:40:10
